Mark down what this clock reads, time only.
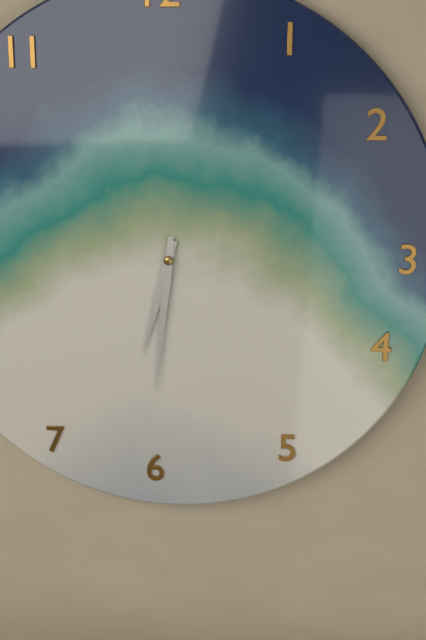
6:31
